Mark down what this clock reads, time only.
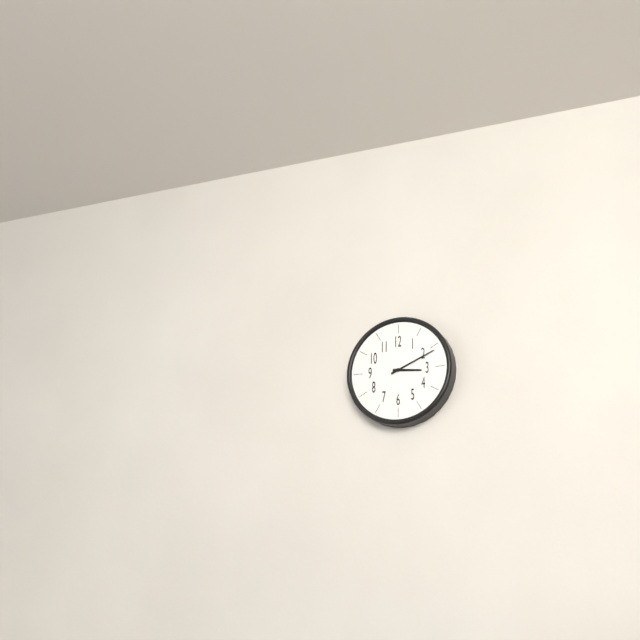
3:11
